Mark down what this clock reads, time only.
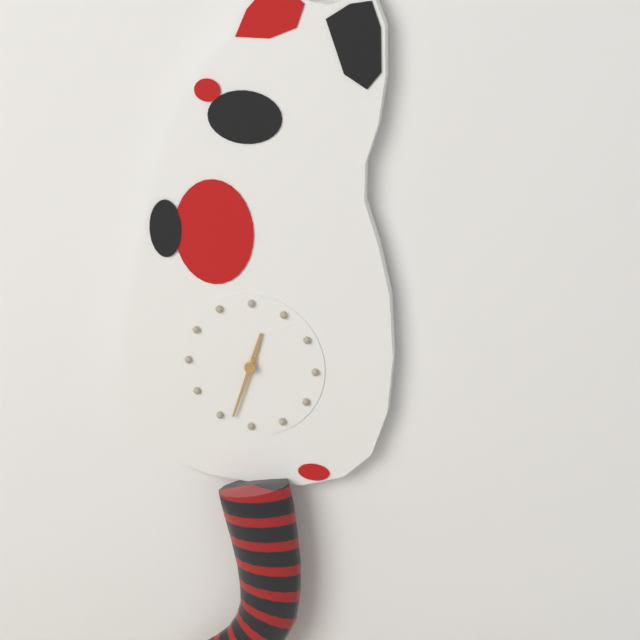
12:33
